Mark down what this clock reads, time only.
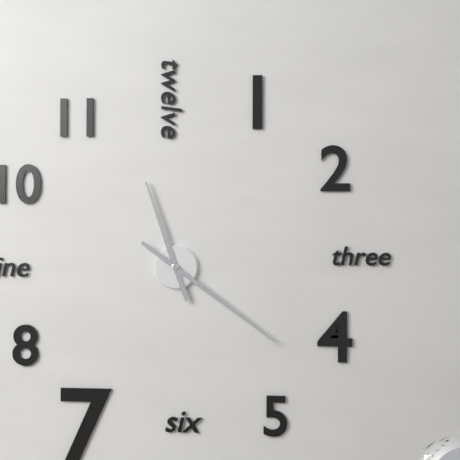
11:21
